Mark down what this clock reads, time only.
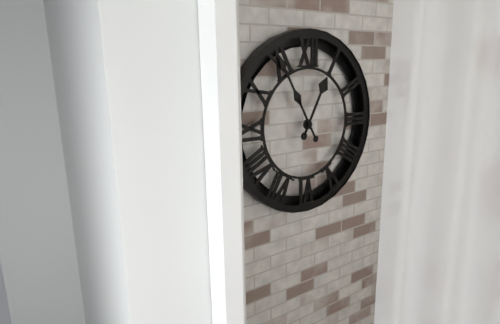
12:55
